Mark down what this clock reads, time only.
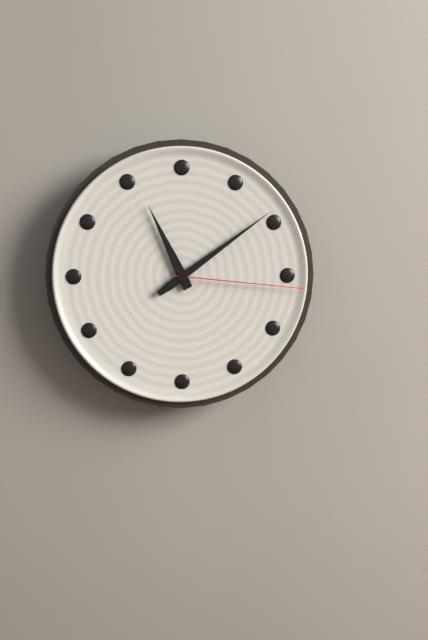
11:09:16
